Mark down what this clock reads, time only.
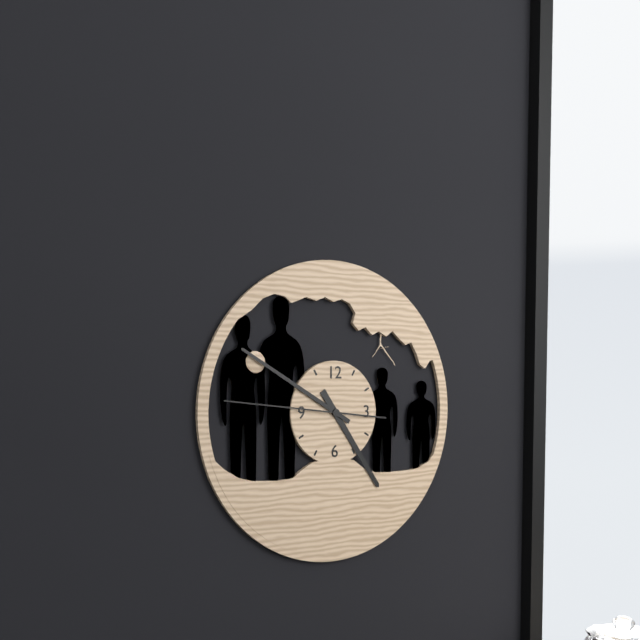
4:50:46
